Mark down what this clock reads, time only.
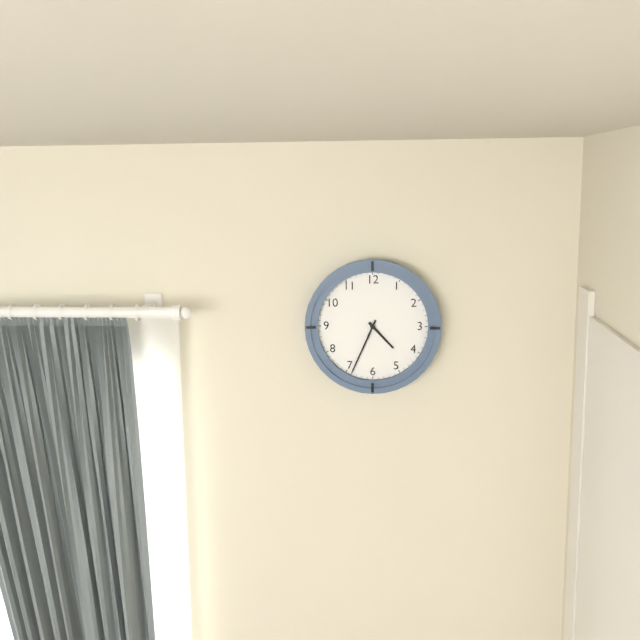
4:34
